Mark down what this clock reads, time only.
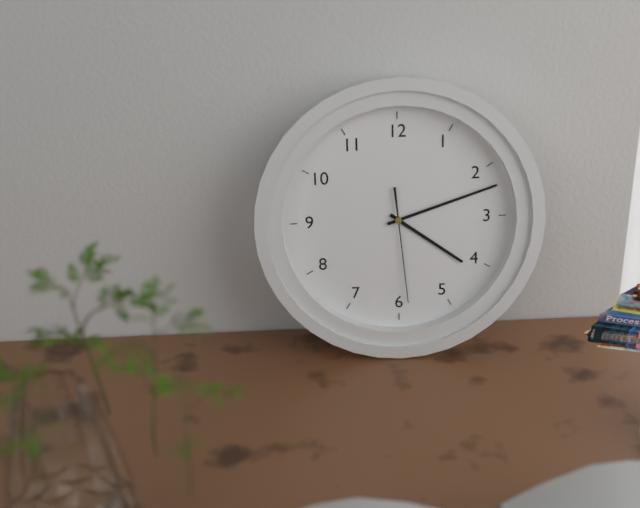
4:12:29
